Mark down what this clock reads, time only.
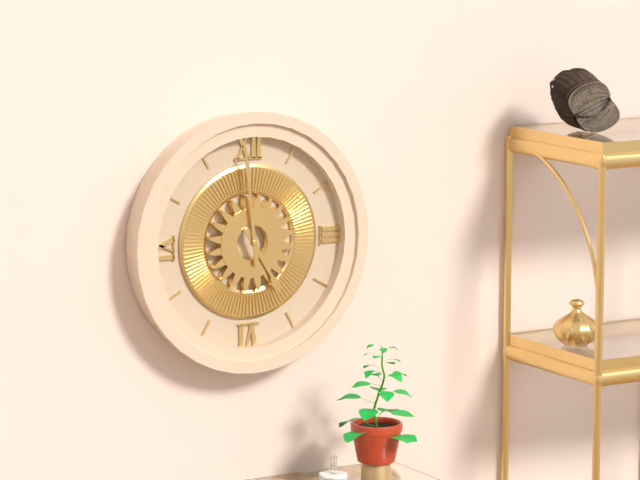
4:59
